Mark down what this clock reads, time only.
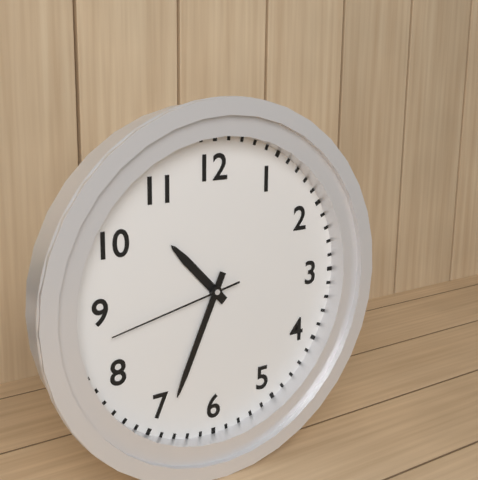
10:34:43
